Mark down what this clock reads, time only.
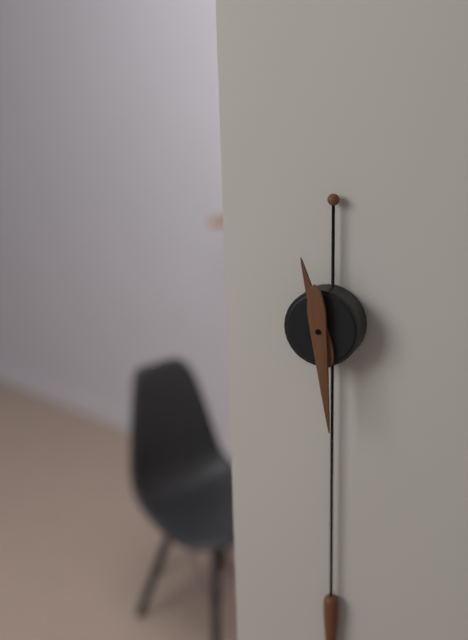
11:29
